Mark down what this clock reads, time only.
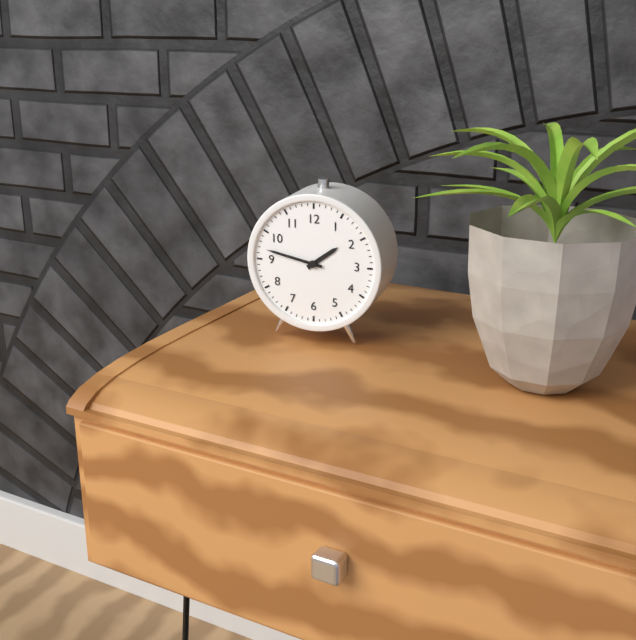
1:47
